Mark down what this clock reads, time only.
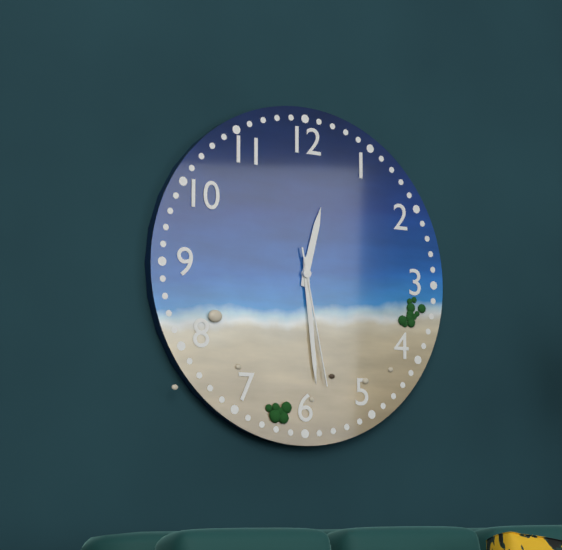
12:29:28
